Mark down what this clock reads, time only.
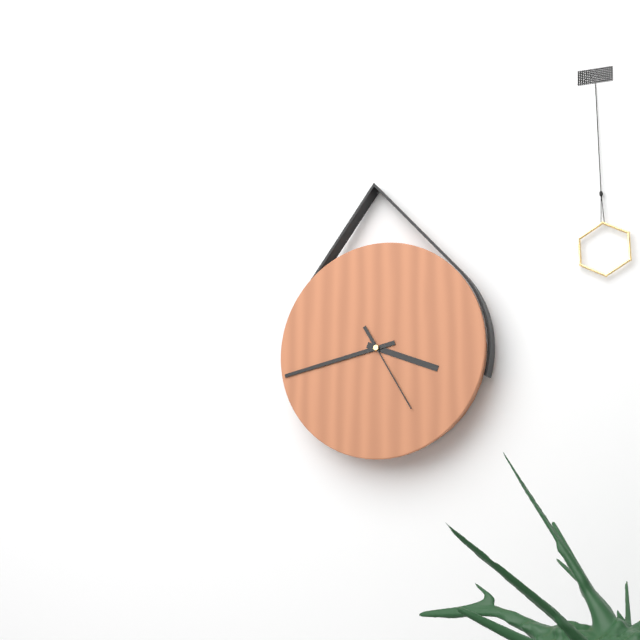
3:43:25
